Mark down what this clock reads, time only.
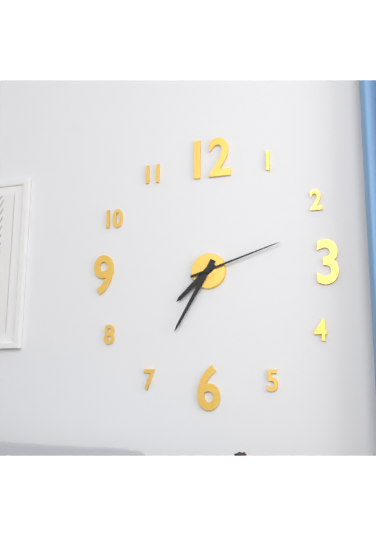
7:35:12
